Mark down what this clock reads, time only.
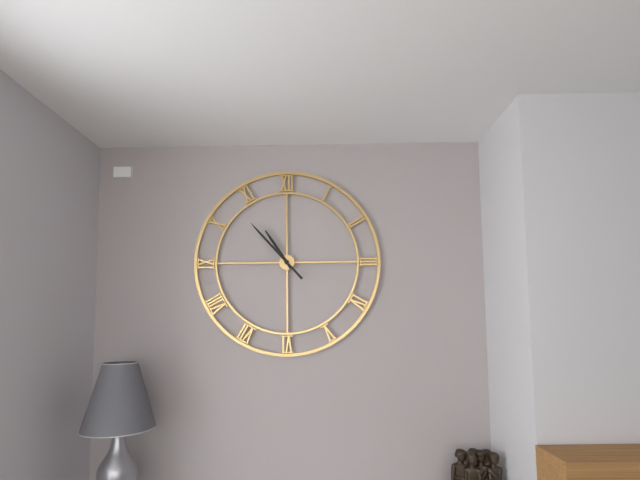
10:53
